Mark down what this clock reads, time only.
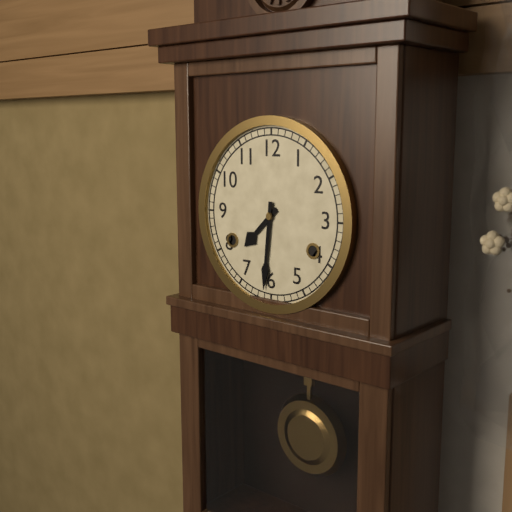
7:31
